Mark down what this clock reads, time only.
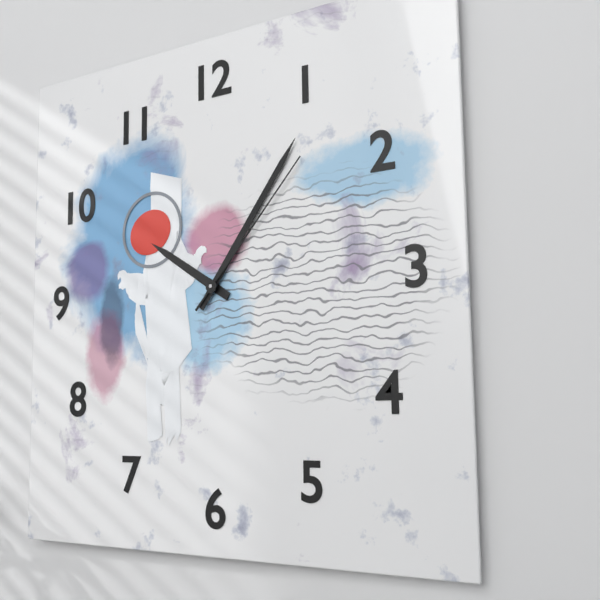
10:06:07
